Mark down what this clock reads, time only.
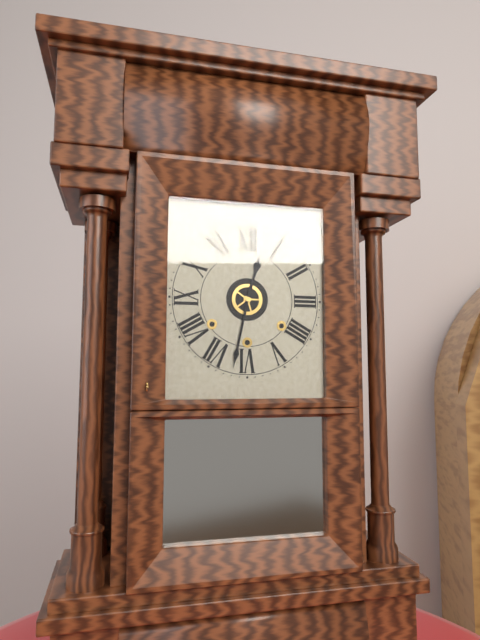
12:32
